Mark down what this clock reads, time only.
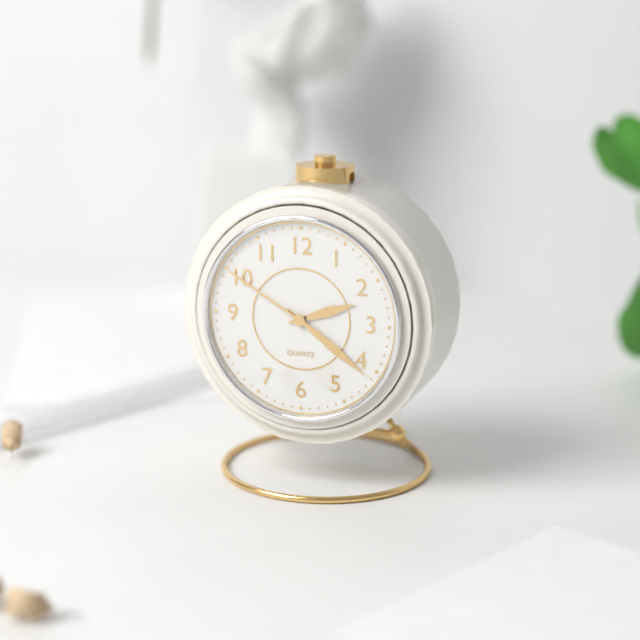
2:21:50
